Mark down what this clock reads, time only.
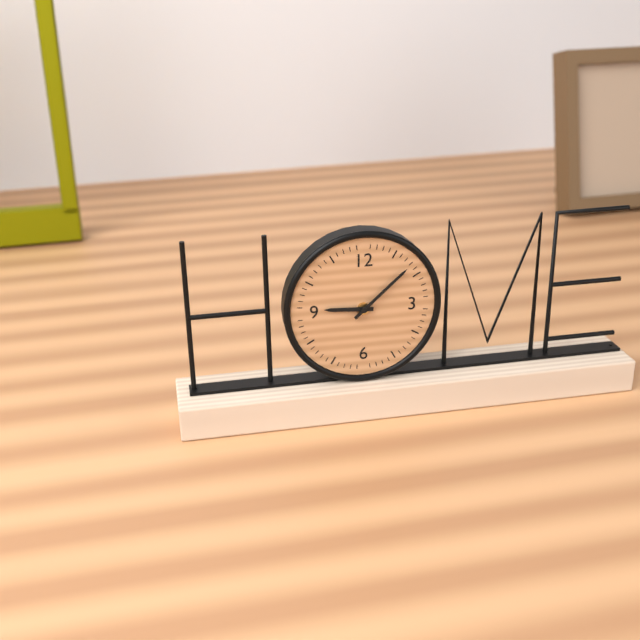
9:08
